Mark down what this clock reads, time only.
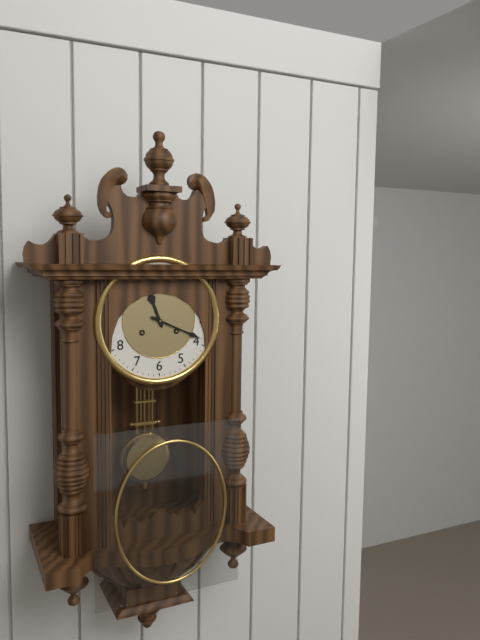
11:19
